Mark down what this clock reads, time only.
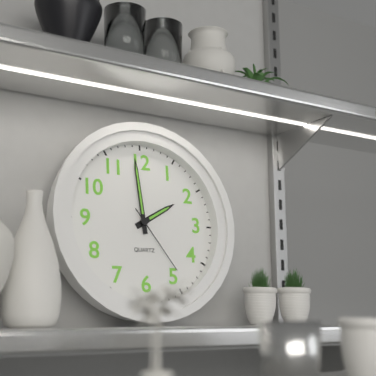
1:59:24
